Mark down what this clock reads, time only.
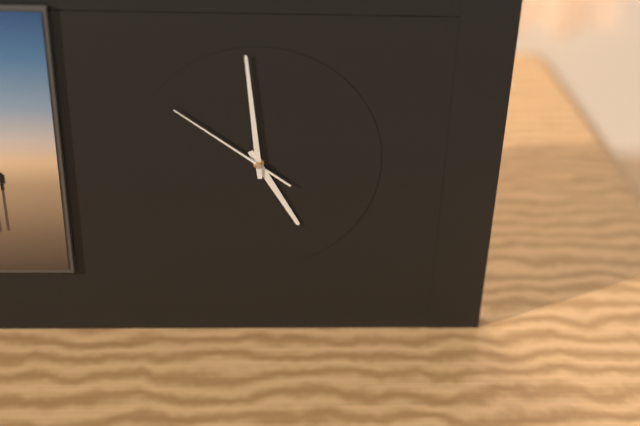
4:59:51
